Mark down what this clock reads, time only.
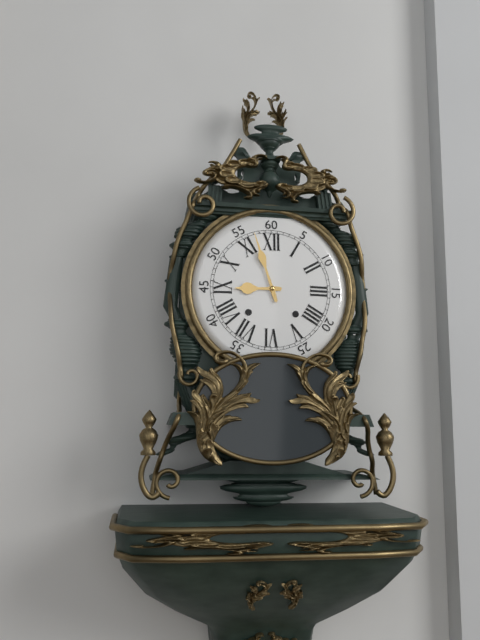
8:57
